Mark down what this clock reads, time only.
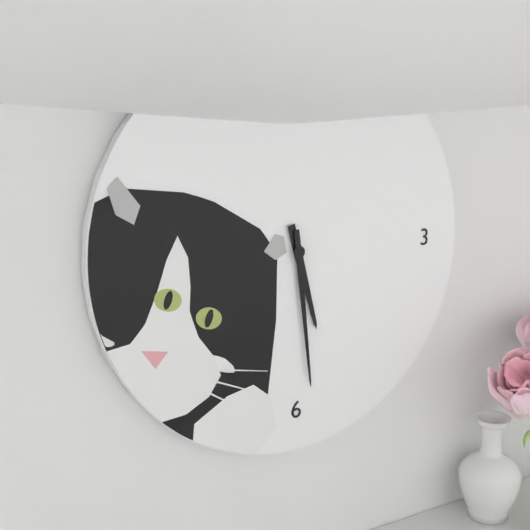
5:29
